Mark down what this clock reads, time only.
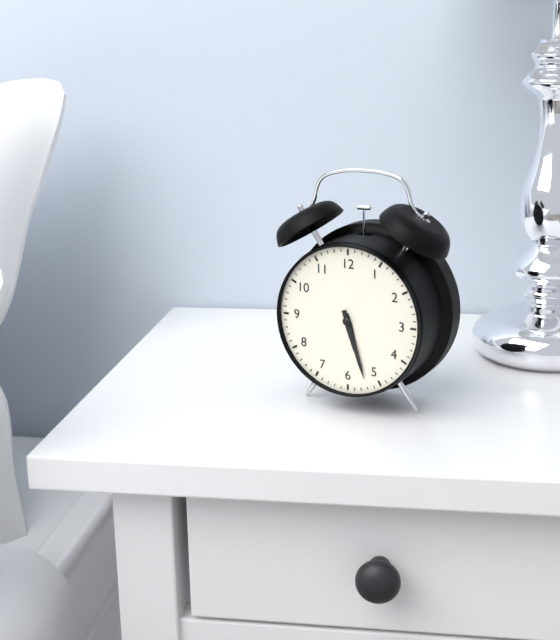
5:27
